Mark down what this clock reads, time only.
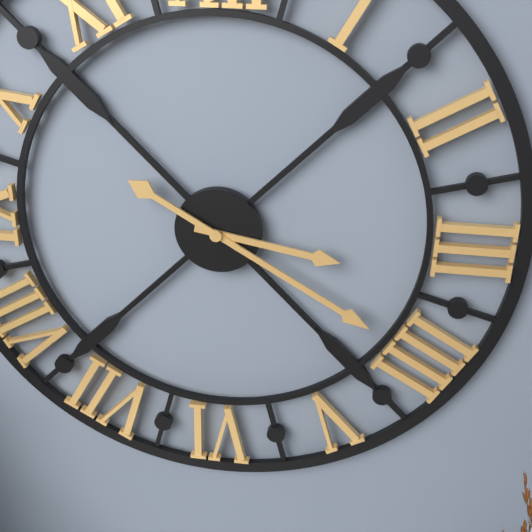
3:20
